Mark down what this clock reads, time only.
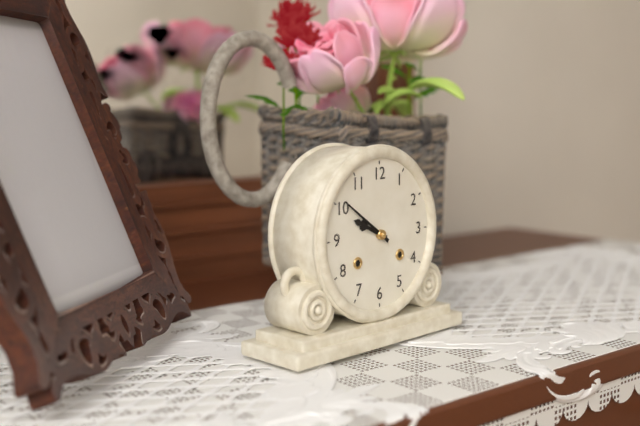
9:51
